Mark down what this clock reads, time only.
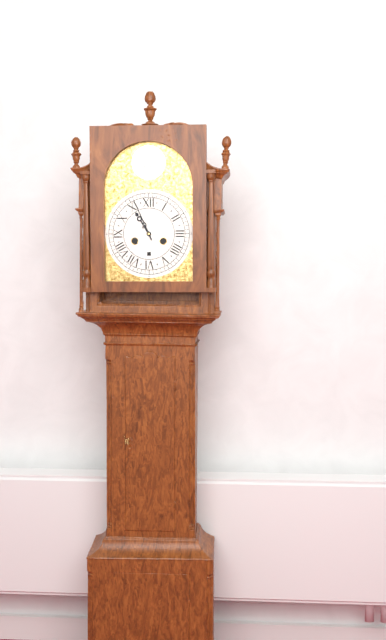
10:56
